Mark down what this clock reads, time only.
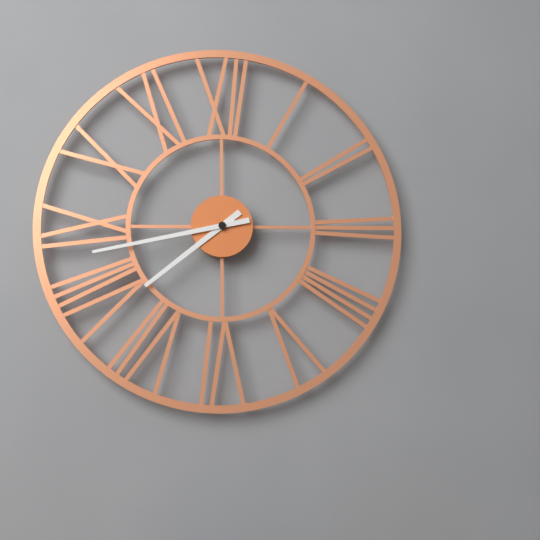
7:43
